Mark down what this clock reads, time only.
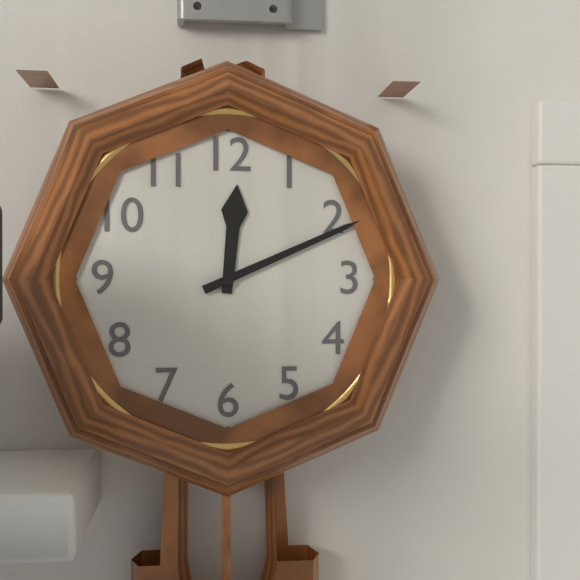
12:11
